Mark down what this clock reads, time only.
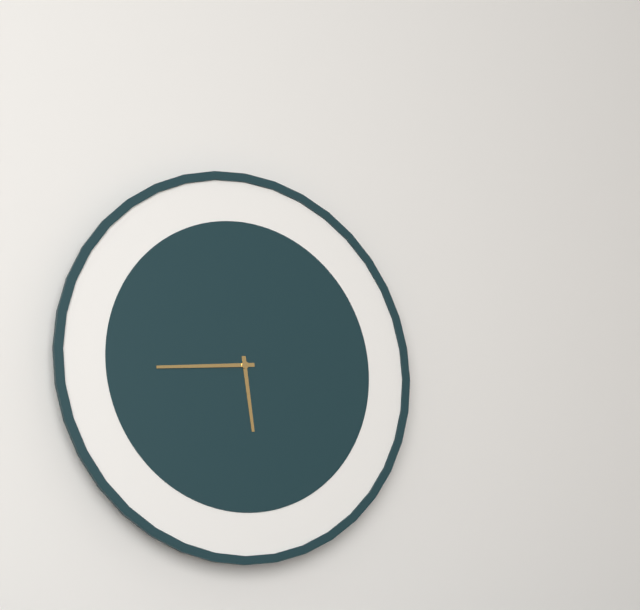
5:44
